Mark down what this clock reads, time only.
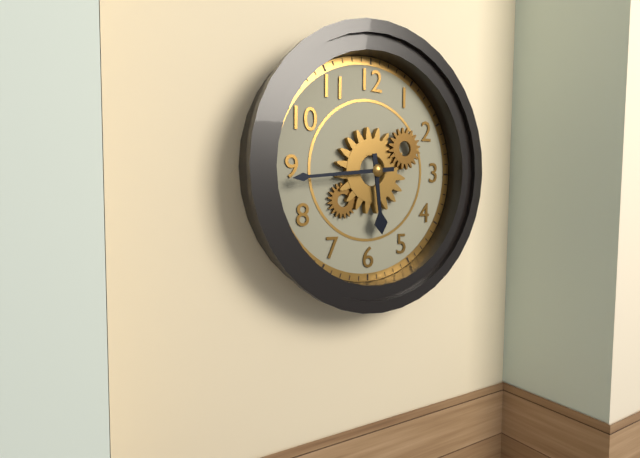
5:44
